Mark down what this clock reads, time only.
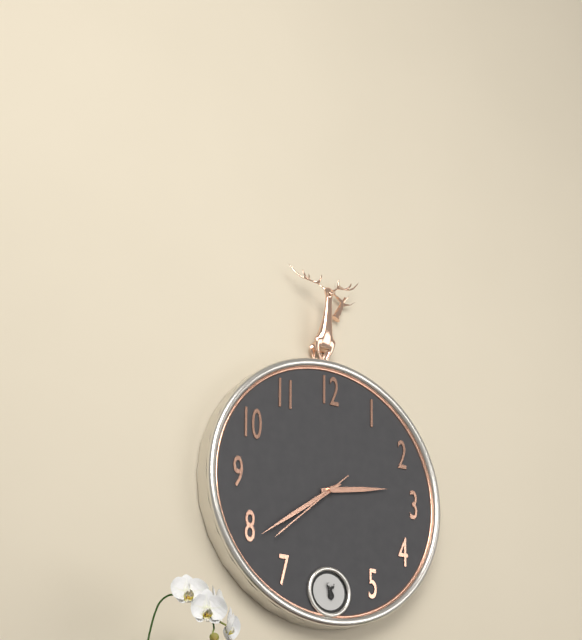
2:39:38
